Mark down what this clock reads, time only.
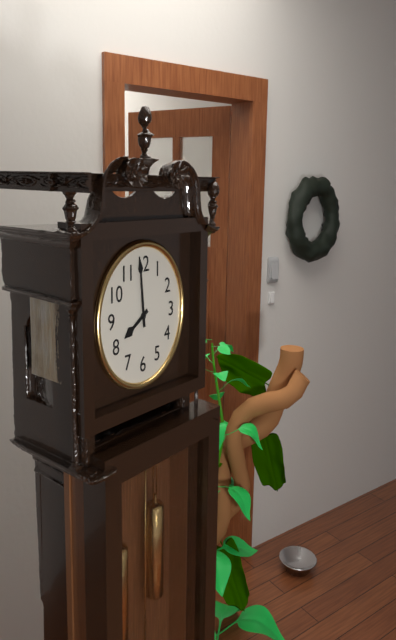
7:59
